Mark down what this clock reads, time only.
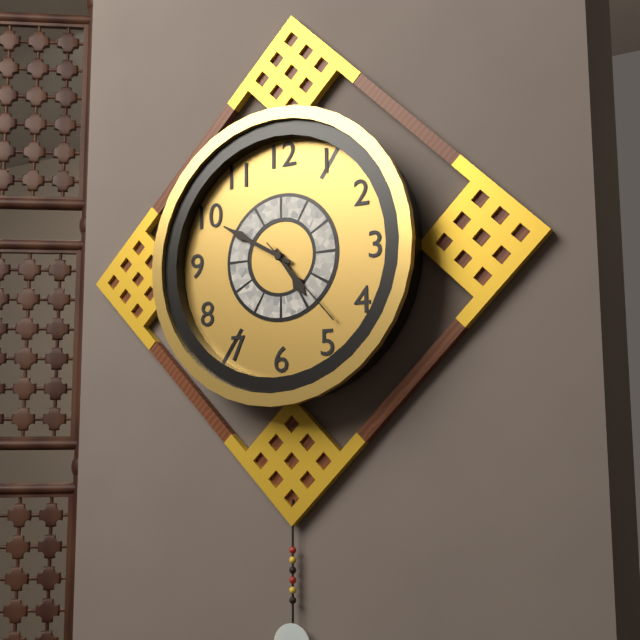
4:50:23
